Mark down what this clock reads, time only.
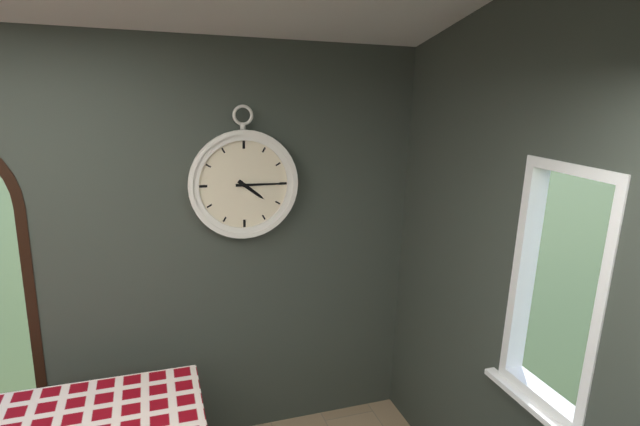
4:15
